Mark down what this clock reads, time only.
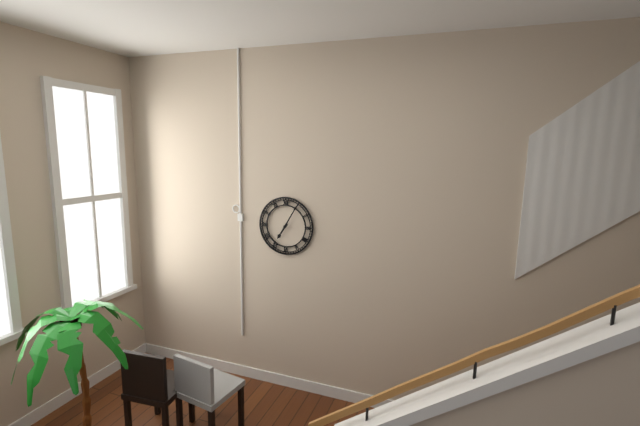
7:05
